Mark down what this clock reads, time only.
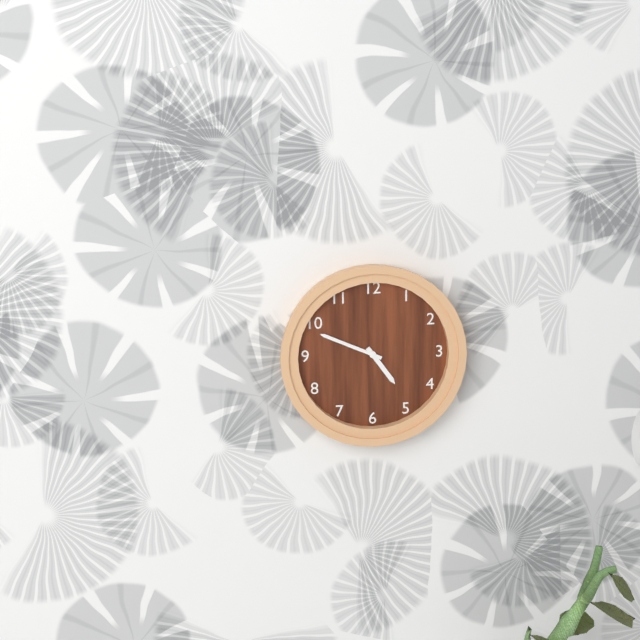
4:49
